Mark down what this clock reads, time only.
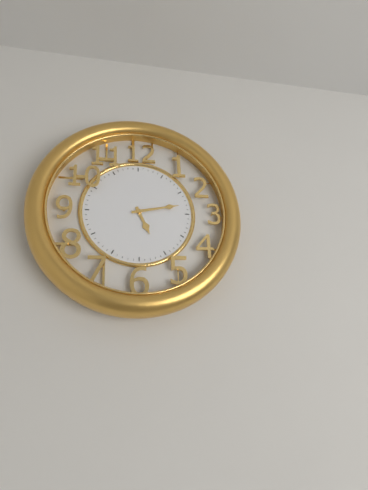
5:13
